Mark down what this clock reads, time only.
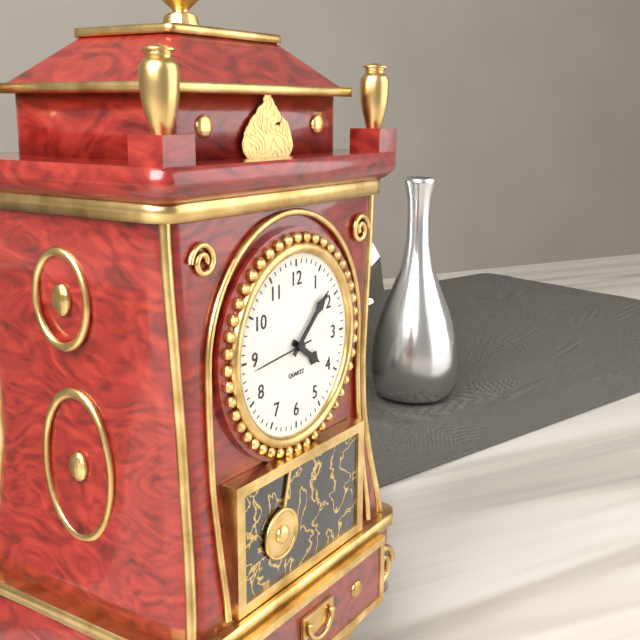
4:08:44
